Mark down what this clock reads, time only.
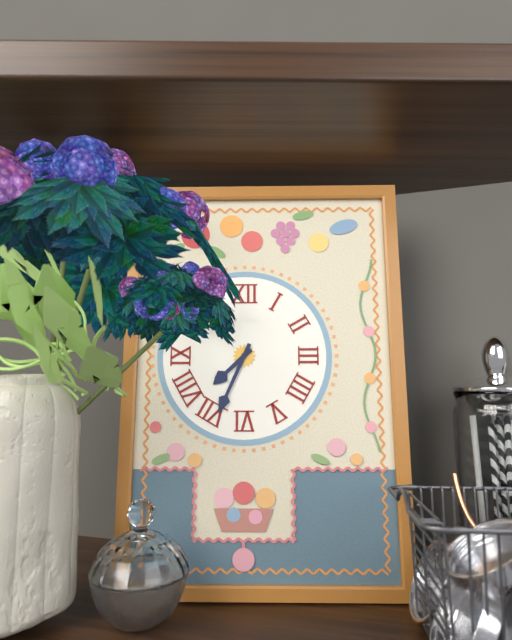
7:34
